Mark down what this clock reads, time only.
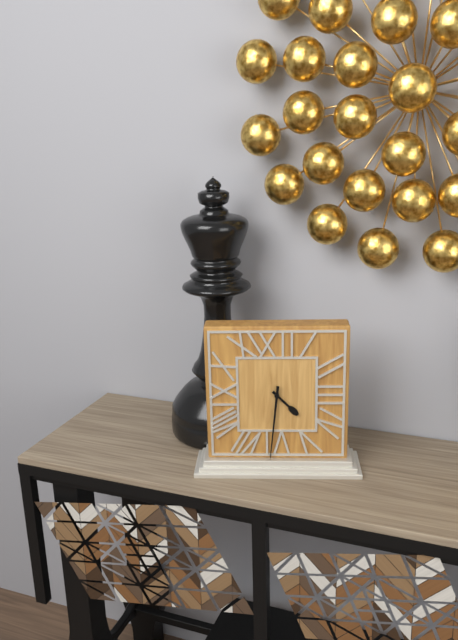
4:31
